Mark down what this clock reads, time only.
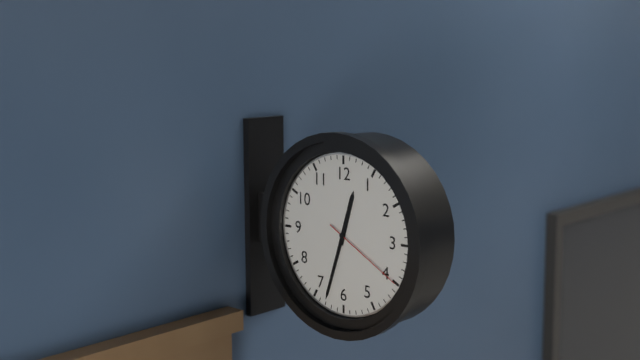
12:33:20
